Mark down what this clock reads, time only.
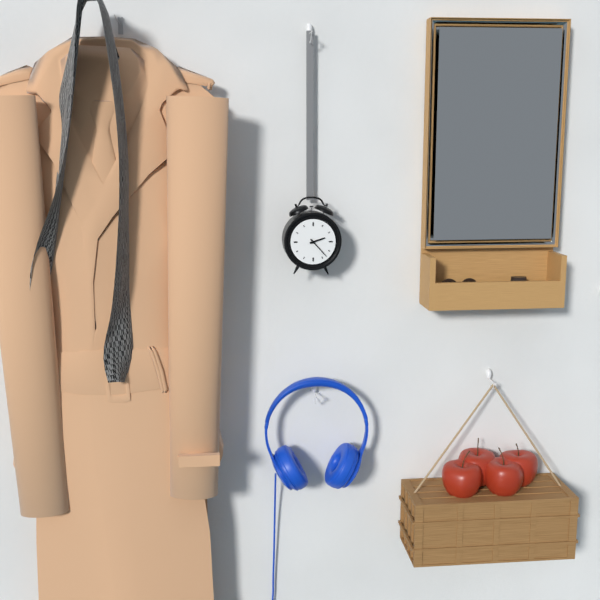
2:23
